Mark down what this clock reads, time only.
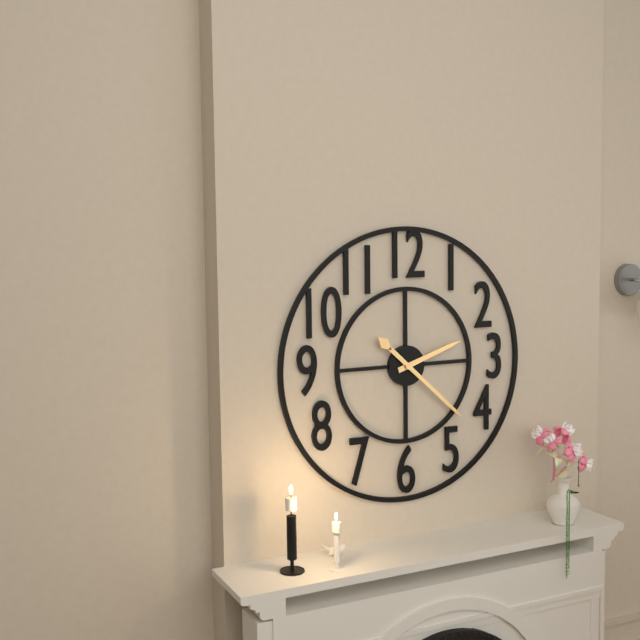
2:22
